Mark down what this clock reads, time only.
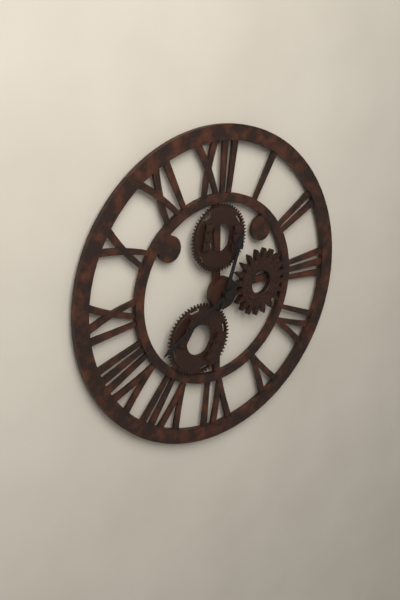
12:40
